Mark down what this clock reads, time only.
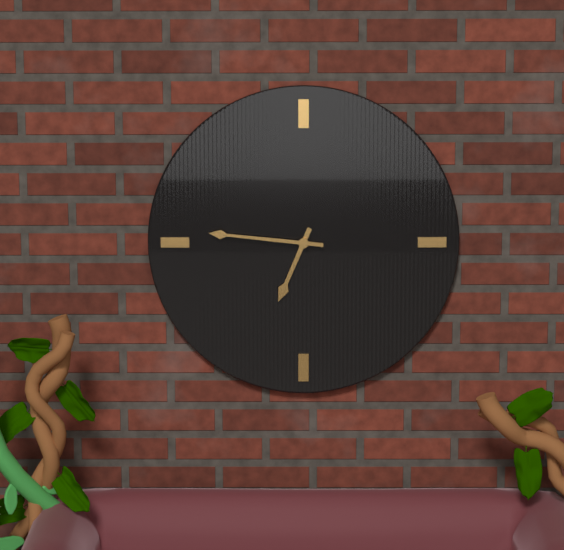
6:46
